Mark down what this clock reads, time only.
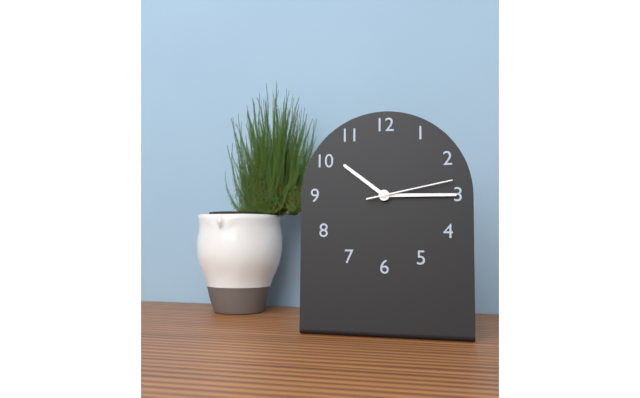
10:15:13
